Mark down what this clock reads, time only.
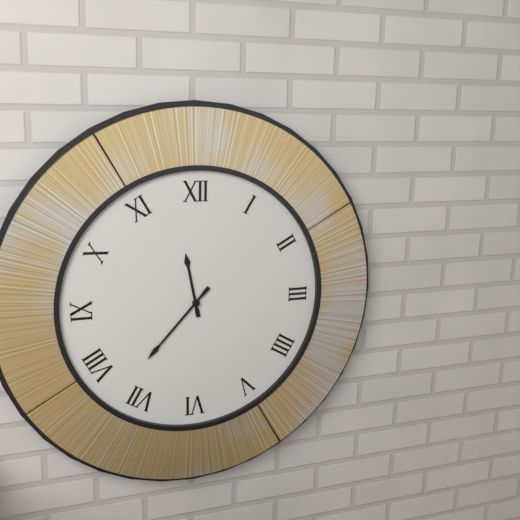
11:37
